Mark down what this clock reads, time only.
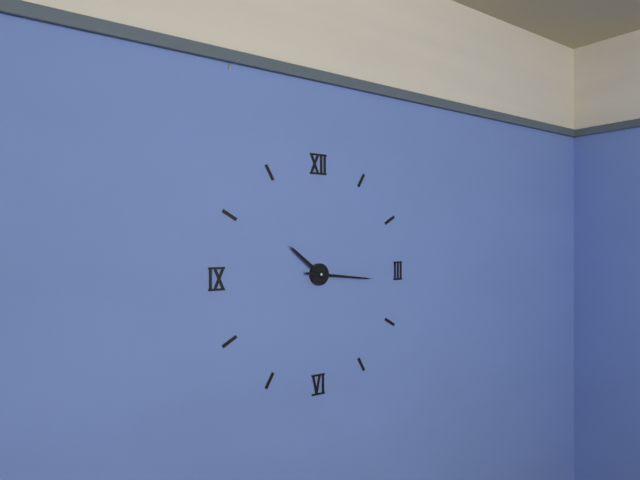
10:16
